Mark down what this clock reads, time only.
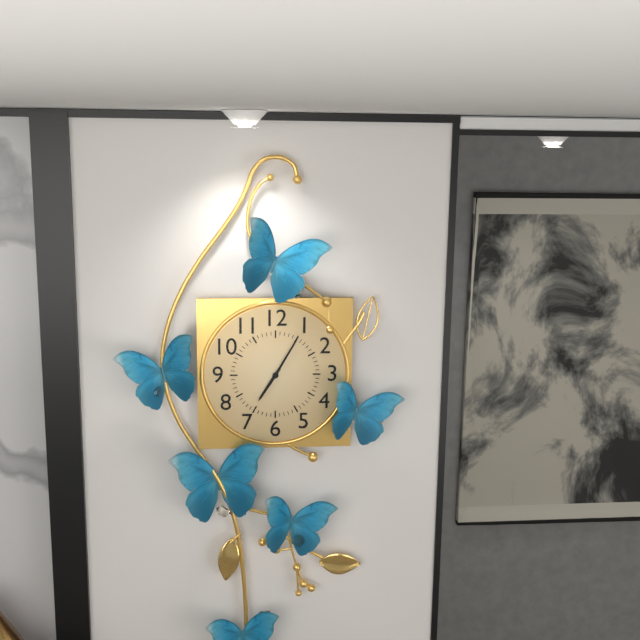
7:05
